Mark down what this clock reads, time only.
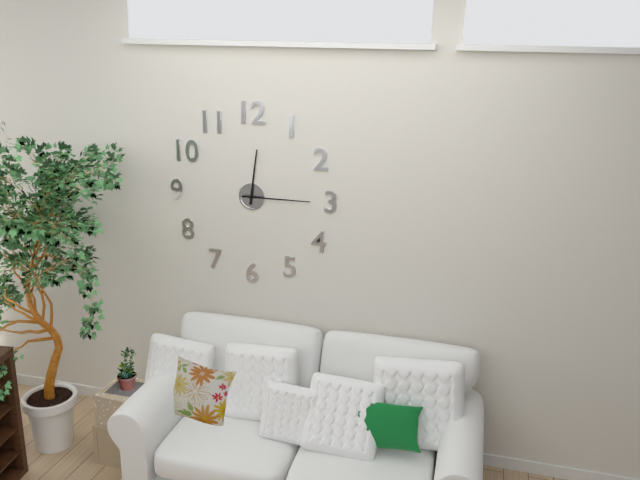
12:15
